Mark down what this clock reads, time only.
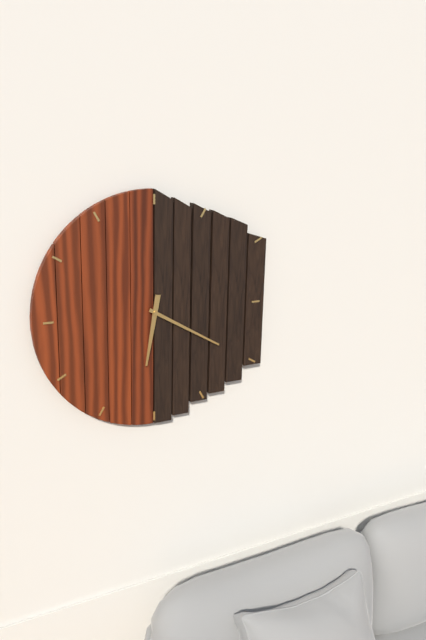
6:20
